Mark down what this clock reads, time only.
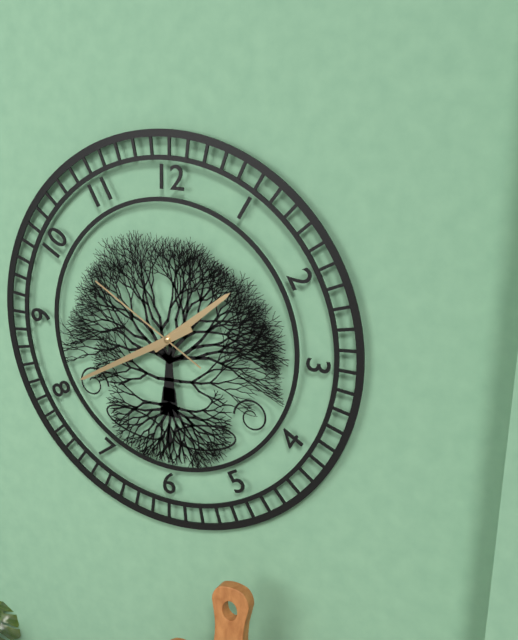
1:40:50
